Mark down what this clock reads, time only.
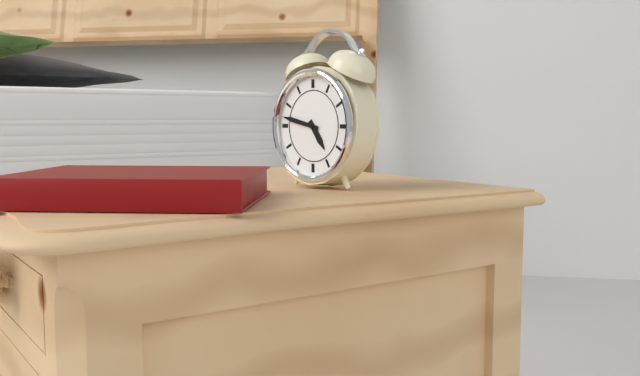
4:47
